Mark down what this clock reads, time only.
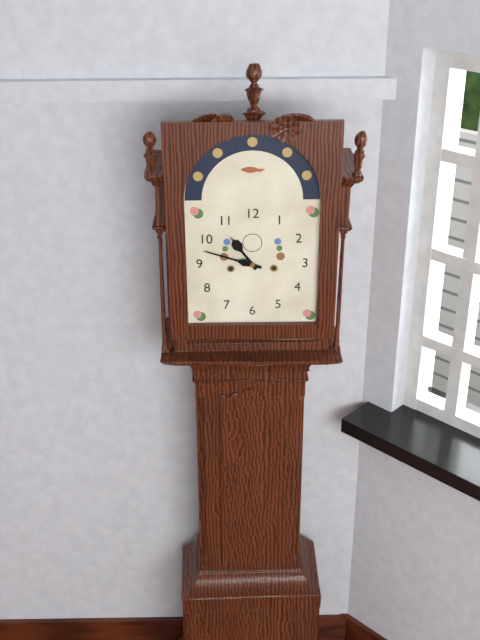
10:48
